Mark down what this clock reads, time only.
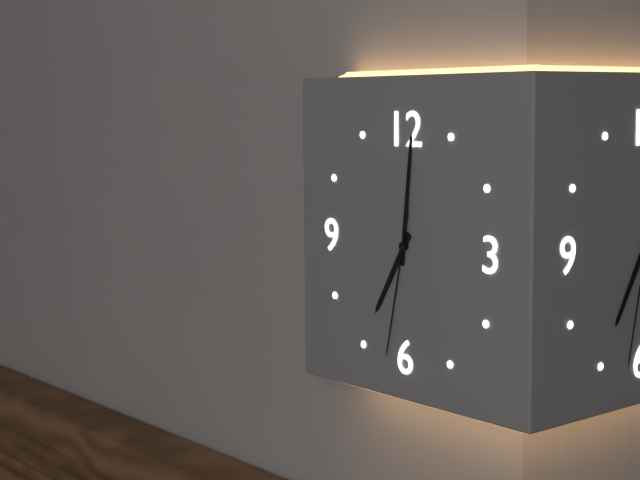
7:01:32
